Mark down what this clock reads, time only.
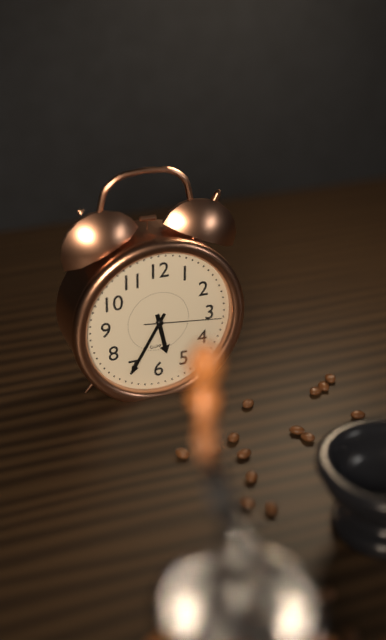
5:35:16
